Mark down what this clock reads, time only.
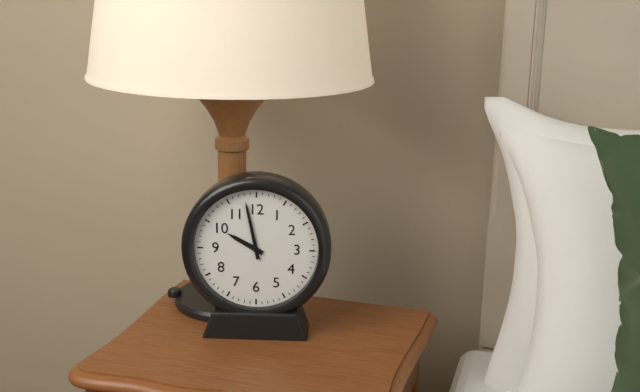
9:58
